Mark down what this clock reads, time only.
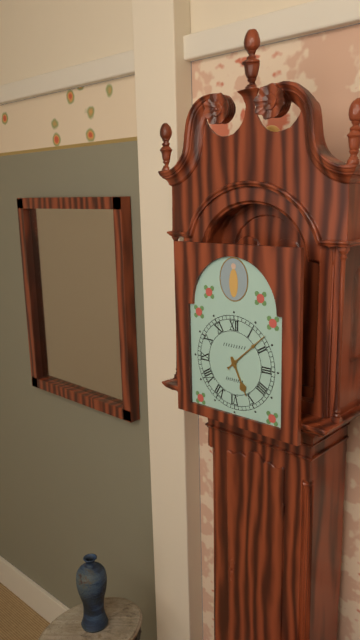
5:08
